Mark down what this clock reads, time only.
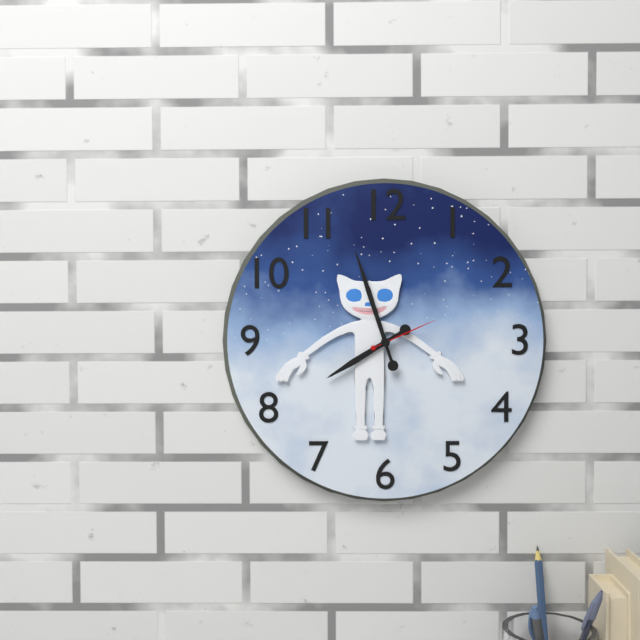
7:57:11
